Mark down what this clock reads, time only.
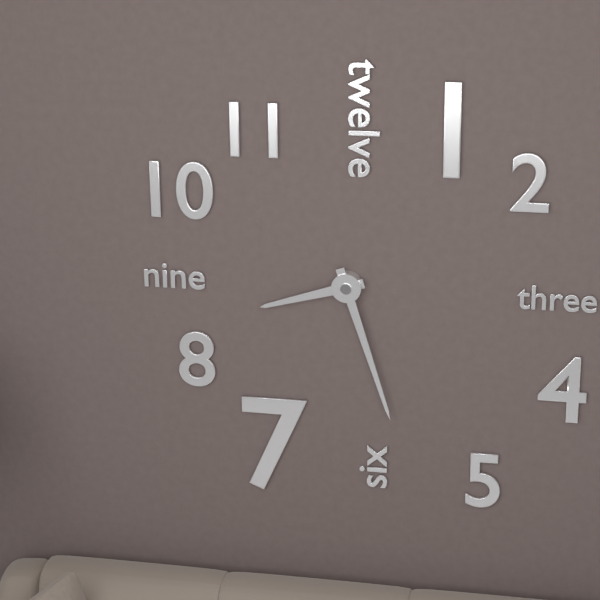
8:27
